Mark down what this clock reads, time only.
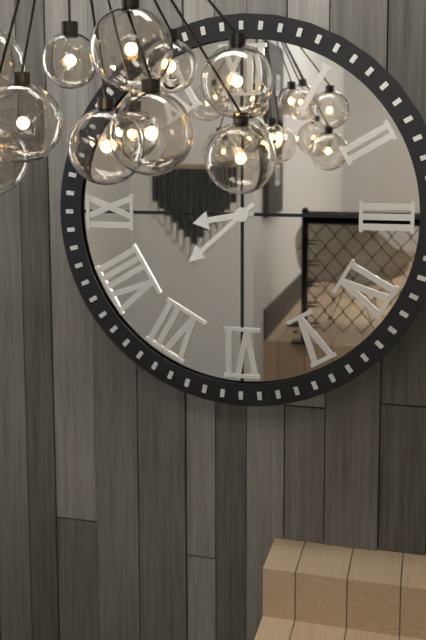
8:38
